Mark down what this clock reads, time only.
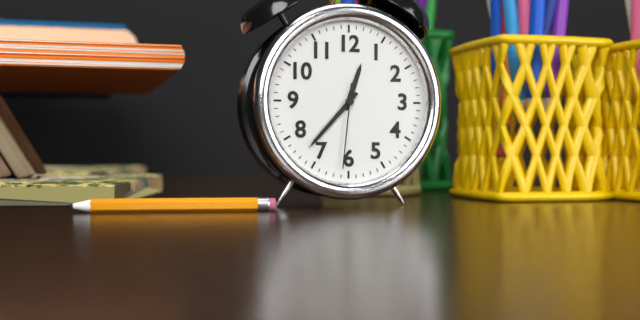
12:37:31
